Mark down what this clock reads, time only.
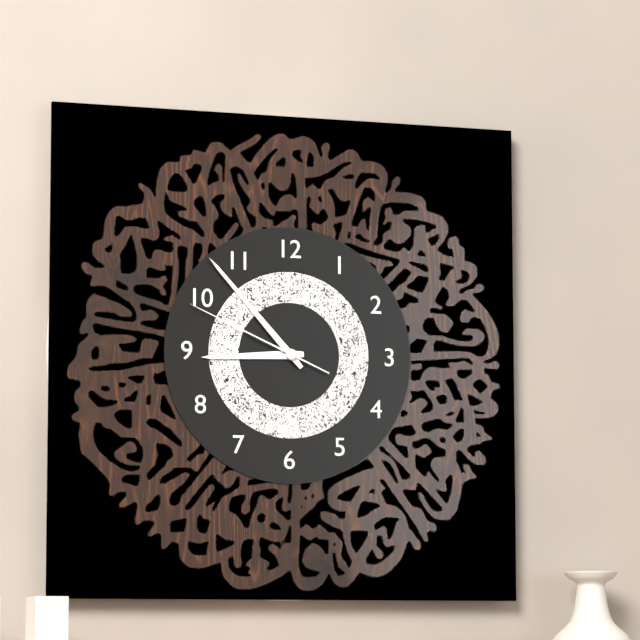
8:53:49
